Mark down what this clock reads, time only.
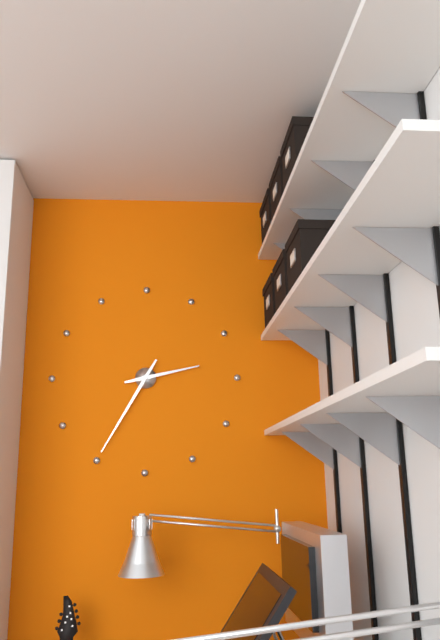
2:35
